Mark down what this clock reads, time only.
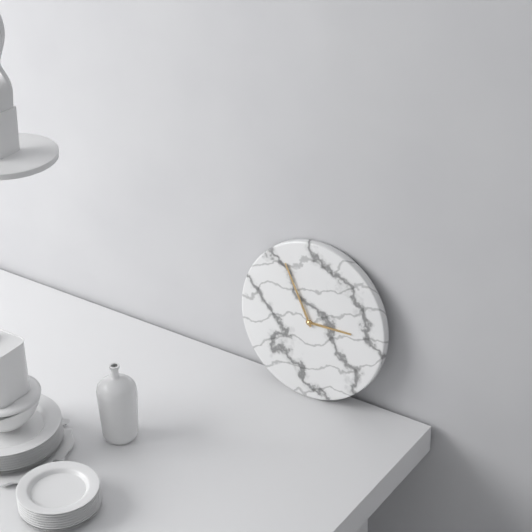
2:55
